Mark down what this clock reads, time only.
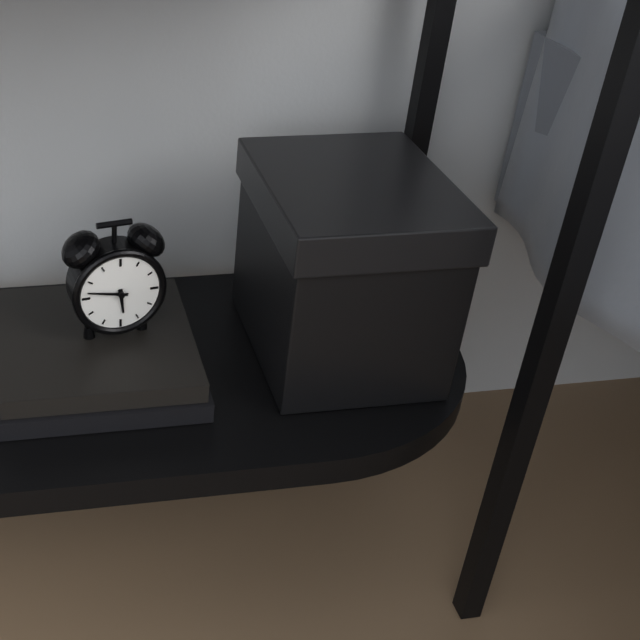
5:47
